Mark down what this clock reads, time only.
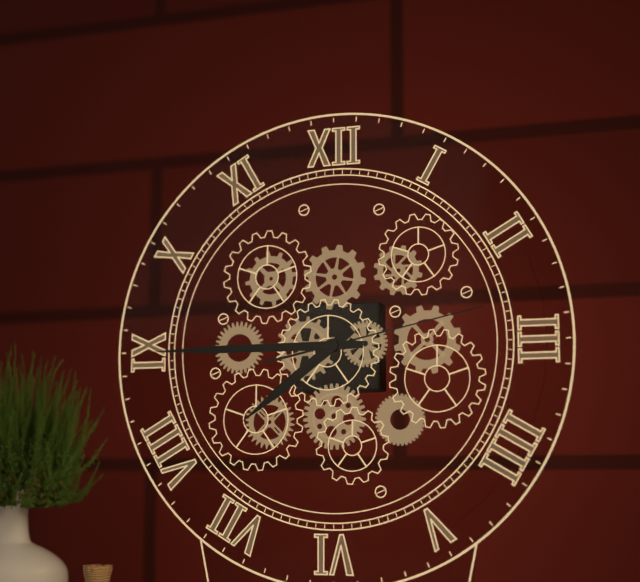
7:45:13
